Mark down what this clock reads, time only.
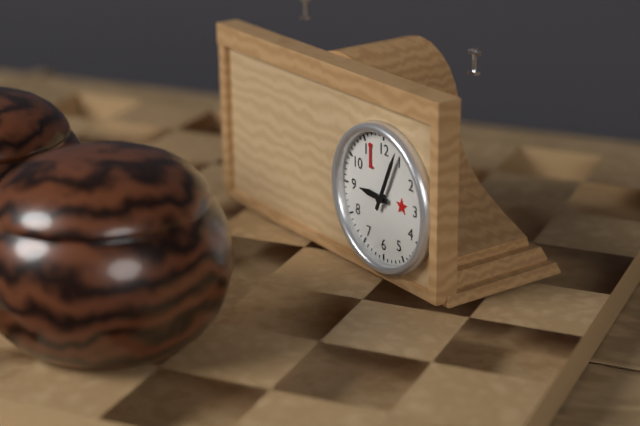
9:04
